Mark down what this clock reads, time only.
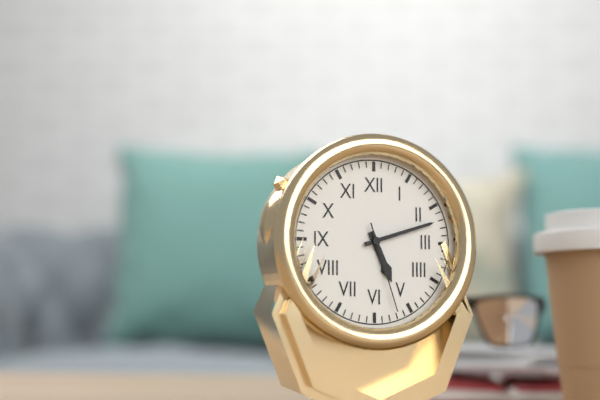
5:12:27
